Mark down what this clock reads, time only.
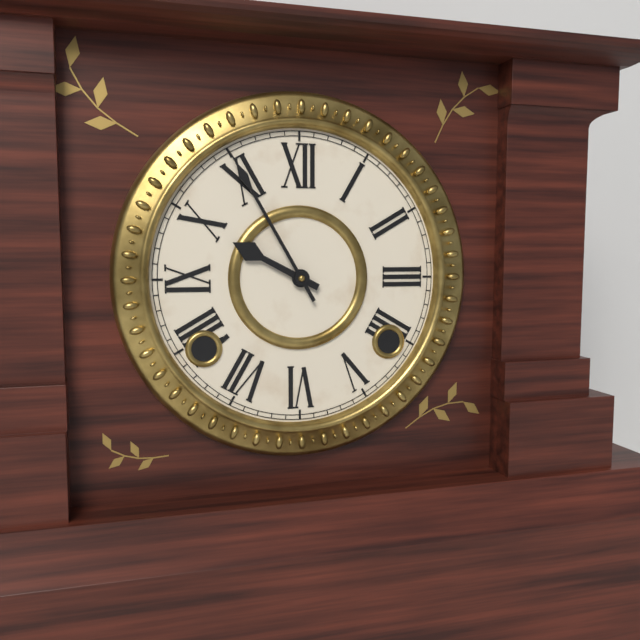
9:55
